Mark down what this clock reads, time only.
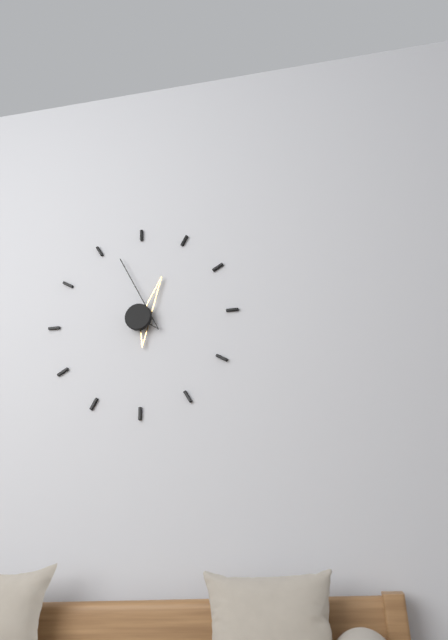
12:57
